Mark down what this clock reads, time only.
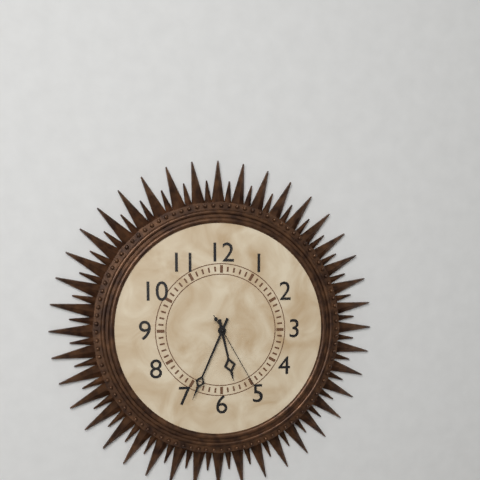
5:34:25
